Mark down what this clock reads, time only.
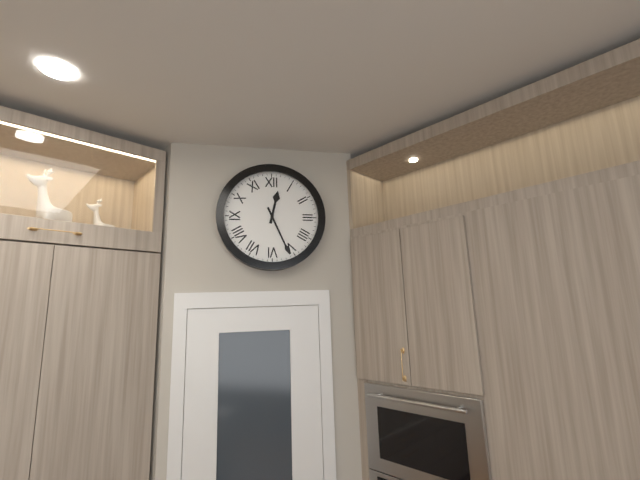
12:26
